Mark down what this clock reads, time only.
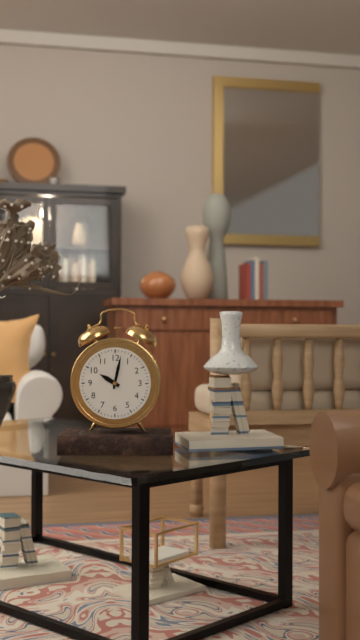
10:02
